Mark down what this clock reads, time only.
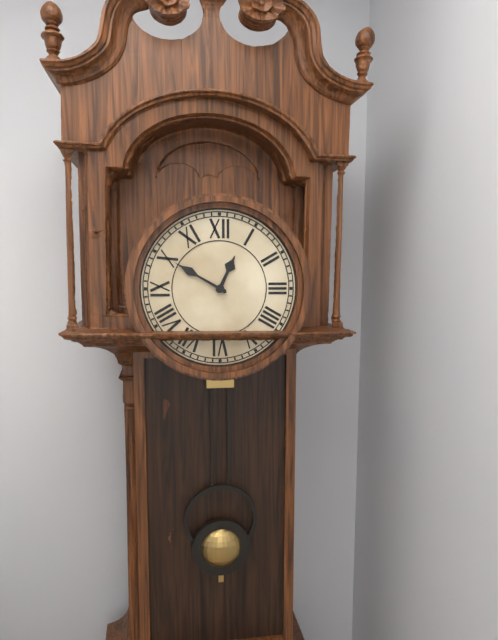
12:50
